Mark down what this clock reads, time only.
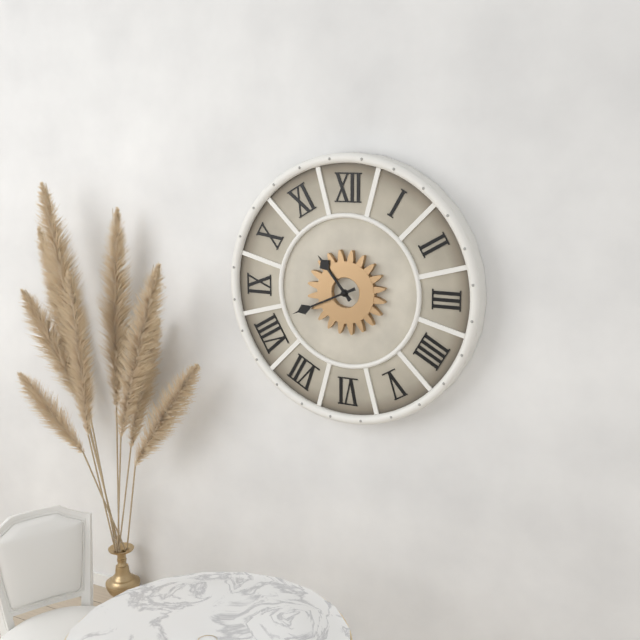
10:41
